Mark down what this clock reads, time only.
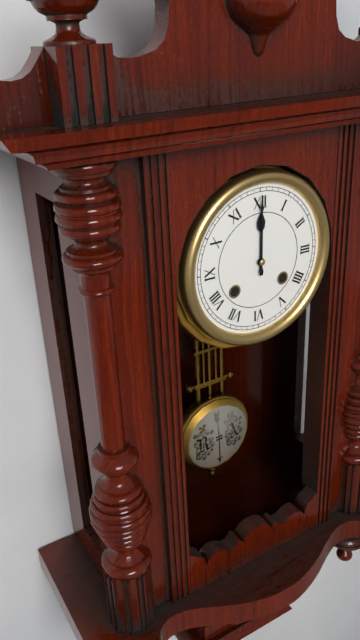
12:00
